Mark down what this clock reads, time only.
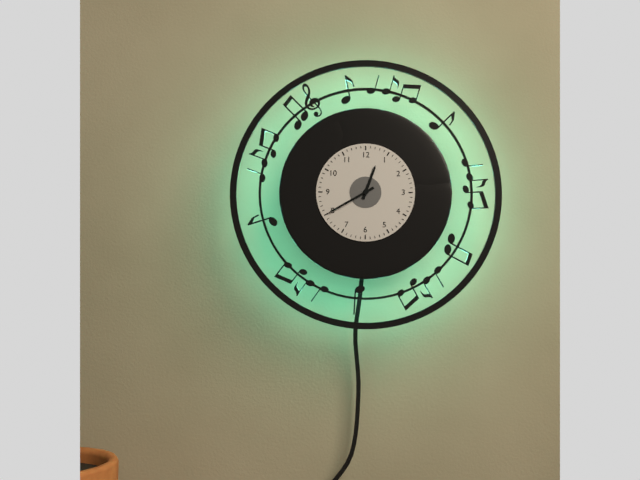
12:40
